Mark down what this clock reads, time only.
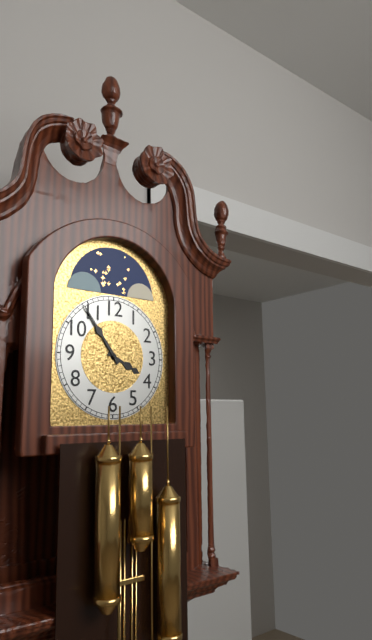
3:54
